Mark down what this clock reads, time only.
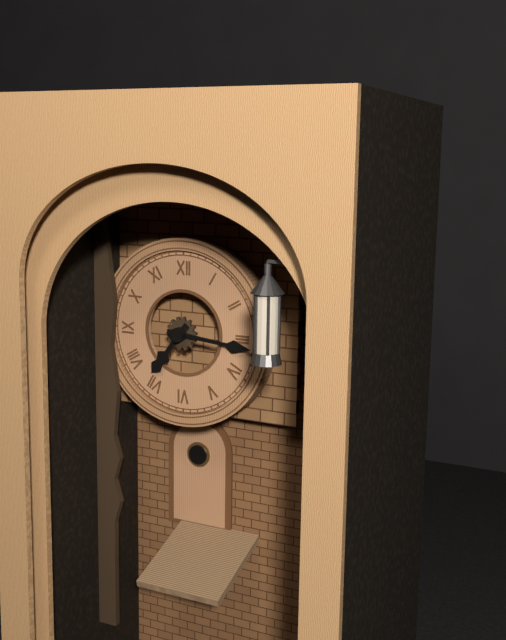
7:16
